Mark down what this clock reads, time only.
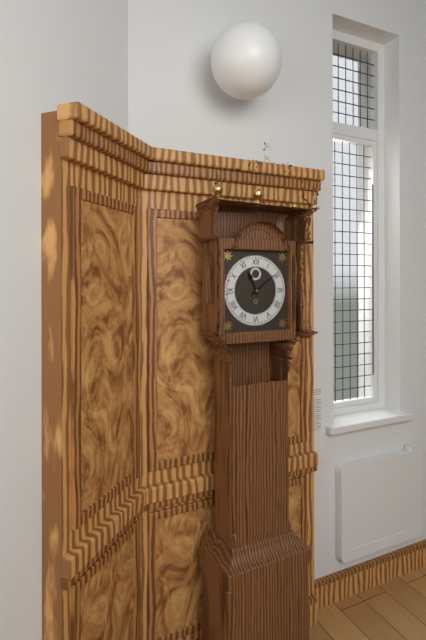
11:09
